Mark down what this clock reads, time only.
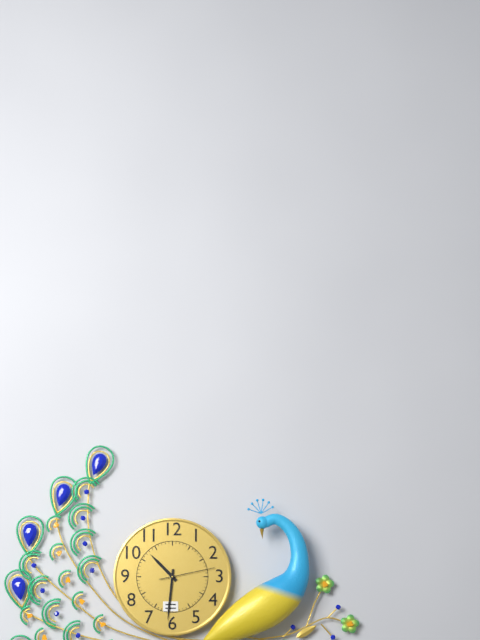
10:31:13
